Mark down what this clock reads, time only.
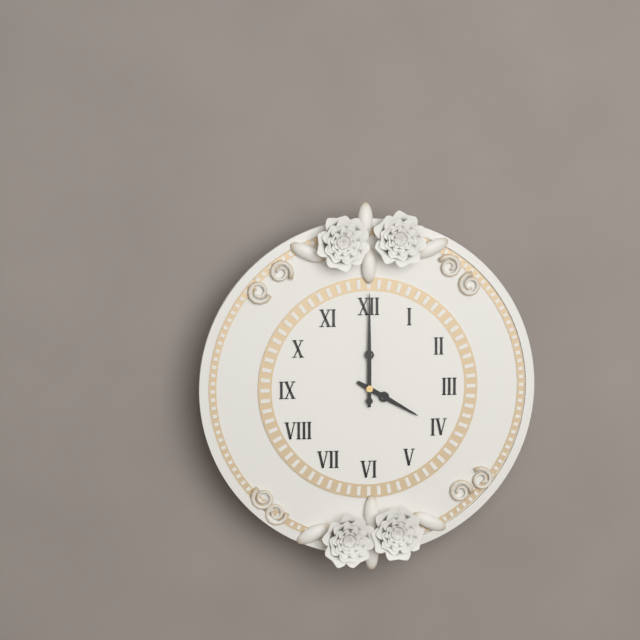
4:00
